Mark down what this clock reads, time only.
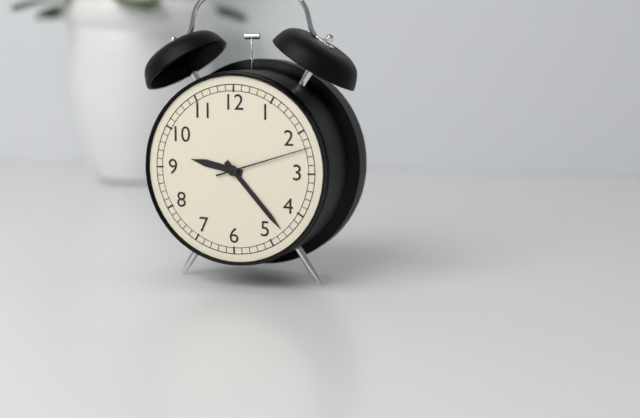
9:23:12
